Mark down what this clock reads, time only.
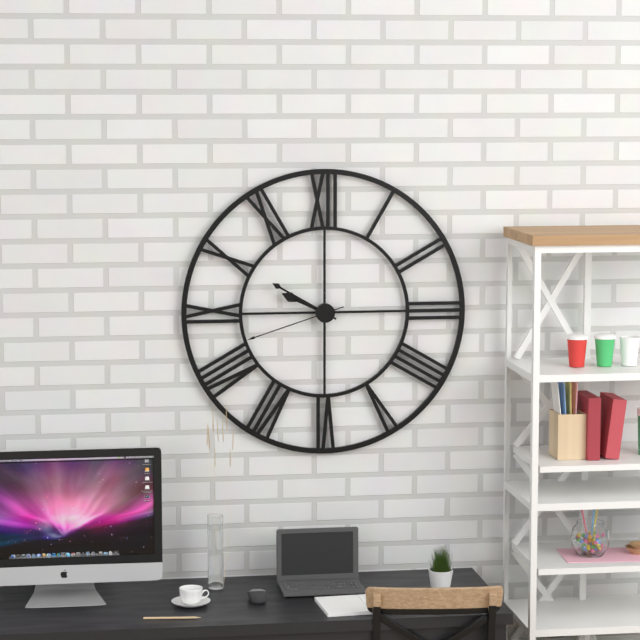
9:50:42
